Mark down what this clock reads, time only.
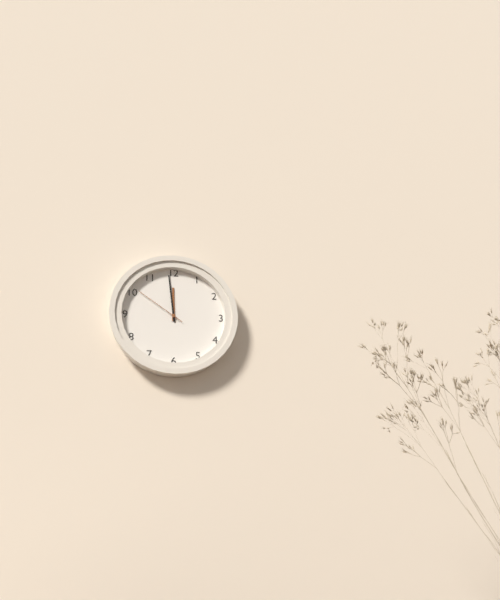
11:59:51
